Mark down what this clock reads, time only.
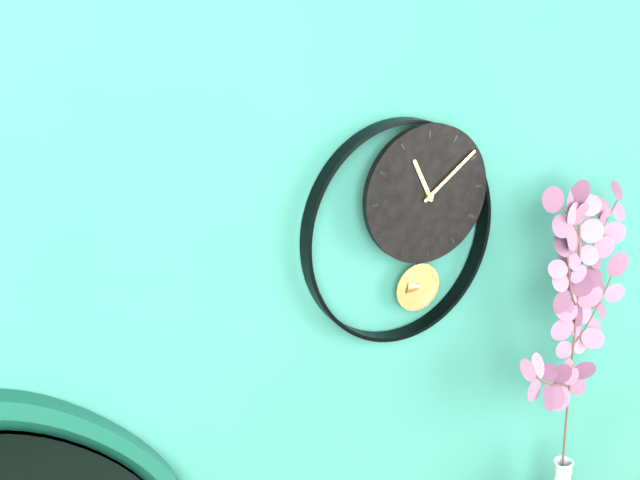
11:09
